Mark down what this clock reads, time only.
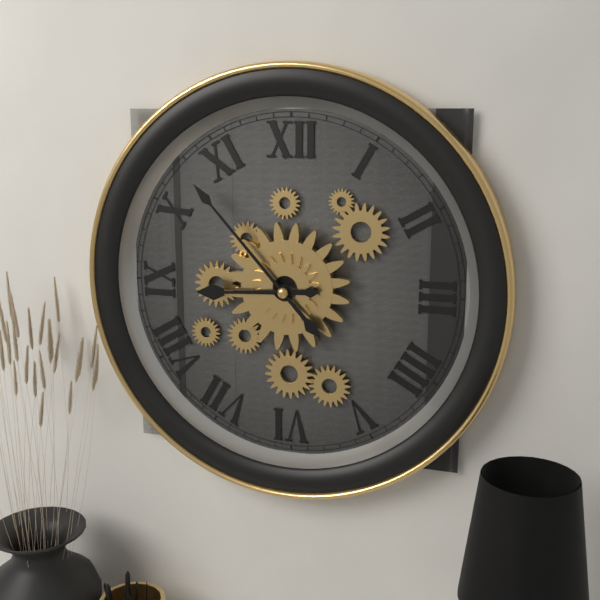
8:53
